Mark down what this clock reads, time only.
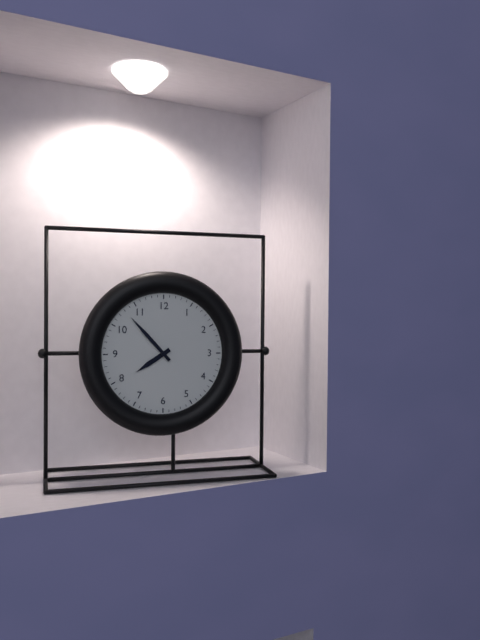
7:53
